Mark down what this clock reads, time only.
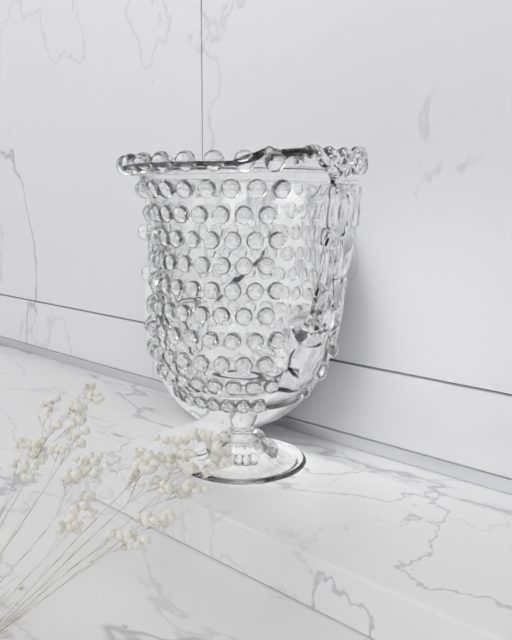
1:36:14
